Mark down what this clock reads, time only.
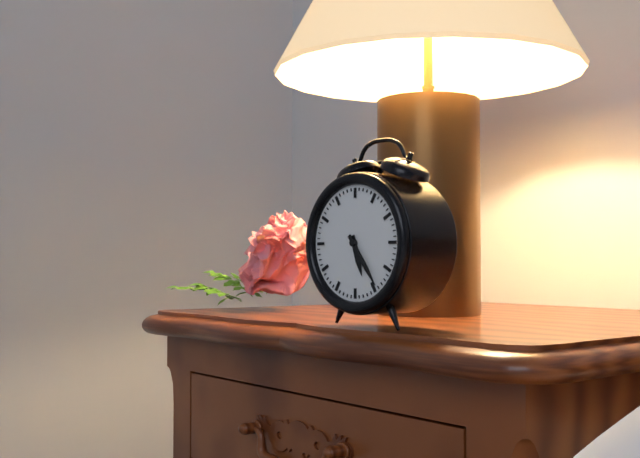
5:24
